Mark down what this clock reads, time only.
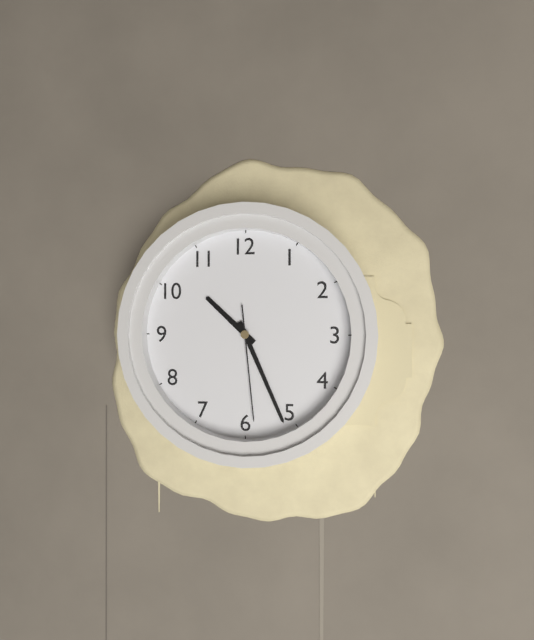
10:26:29
